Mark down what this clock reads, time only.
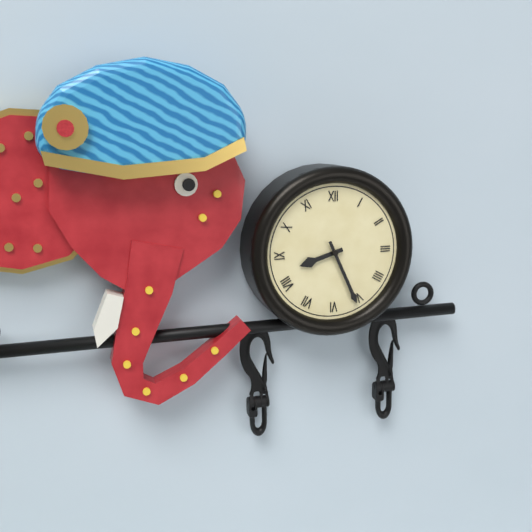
8:26
